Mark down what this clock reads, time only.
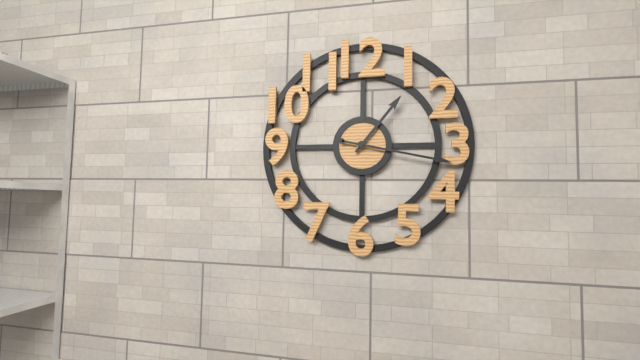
1:17
